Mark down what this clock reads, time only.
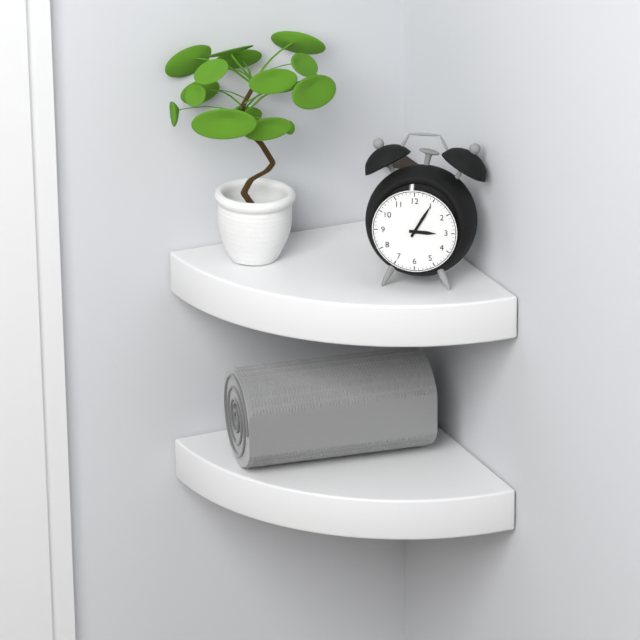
3:05
